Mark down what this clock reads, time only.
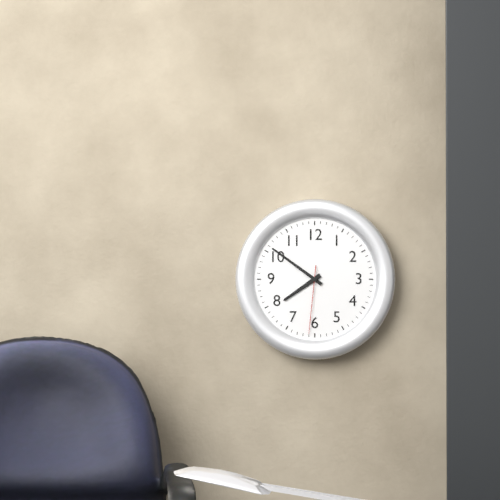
7:51:31
